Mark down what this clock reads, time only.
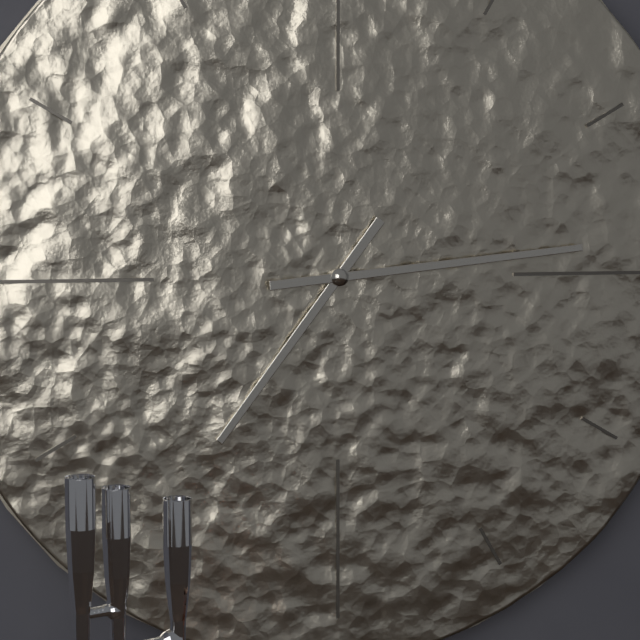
7:14
